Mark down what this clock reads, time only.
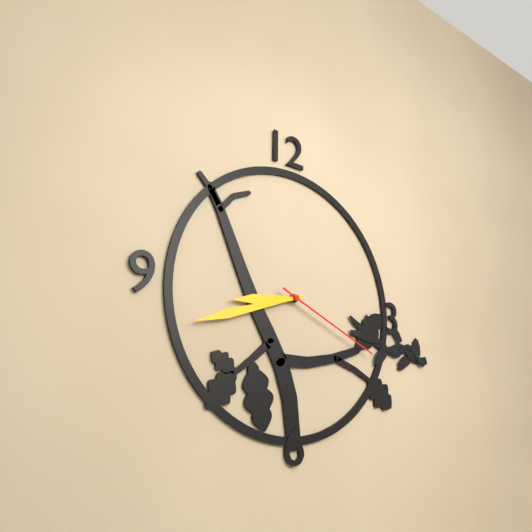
8:42:19
